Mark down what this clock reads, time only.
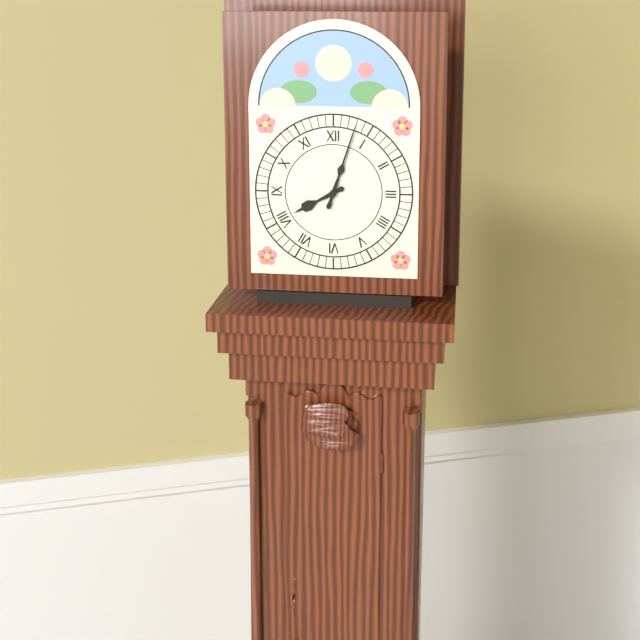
8:03
